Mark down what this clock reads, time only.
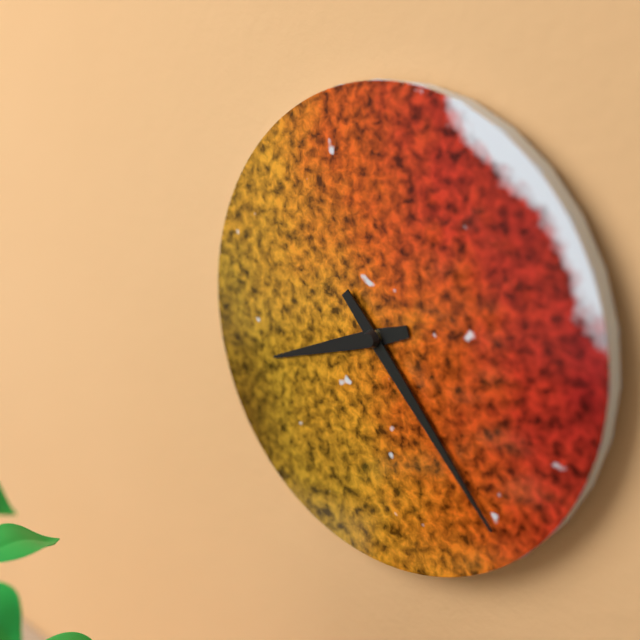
8:23
